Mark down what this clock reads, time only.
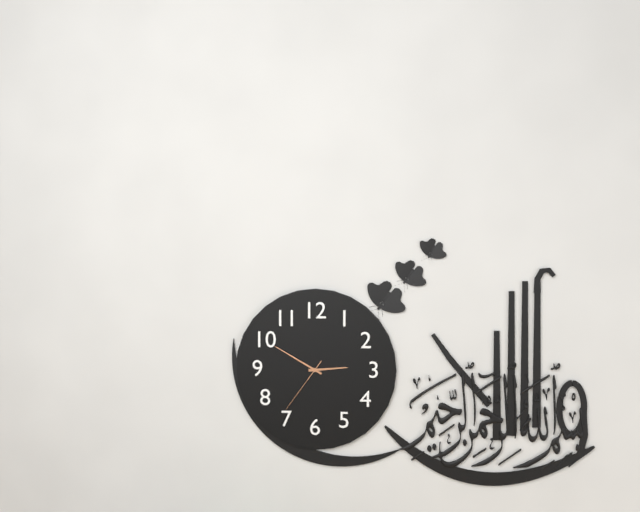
2:50:36
